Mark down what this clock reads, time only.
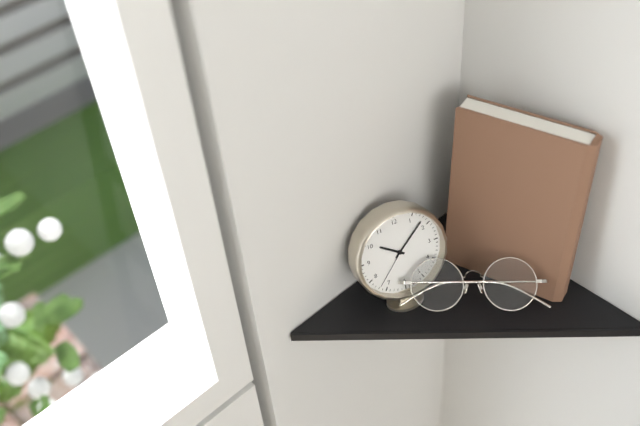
10:08
